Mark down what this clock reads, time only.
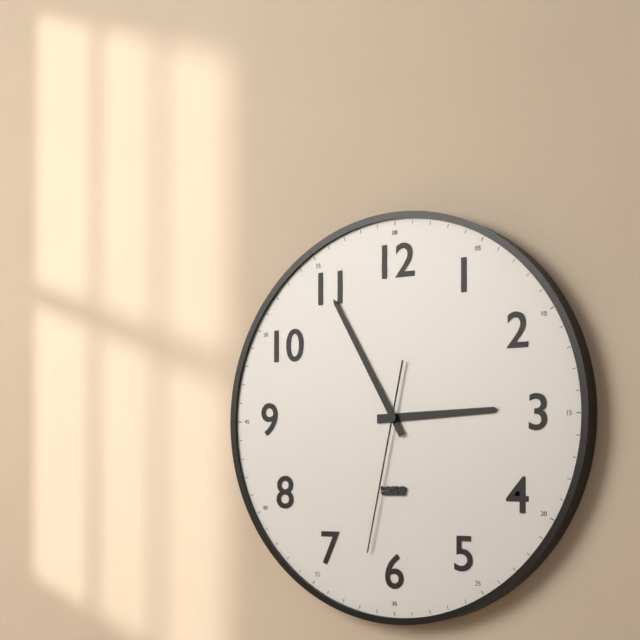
2:55:32
